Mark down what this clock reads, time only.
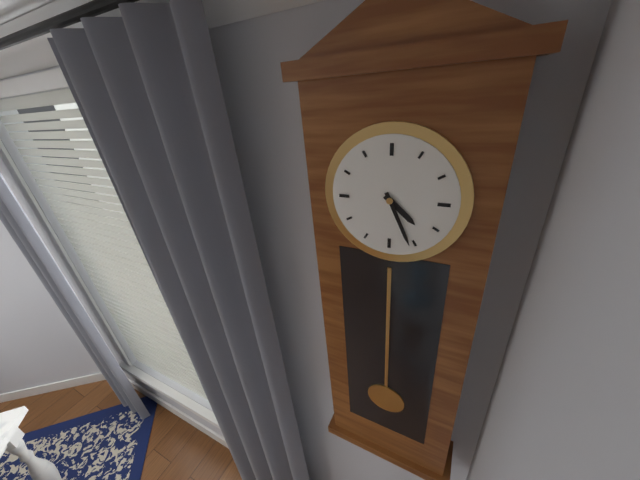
4:26
